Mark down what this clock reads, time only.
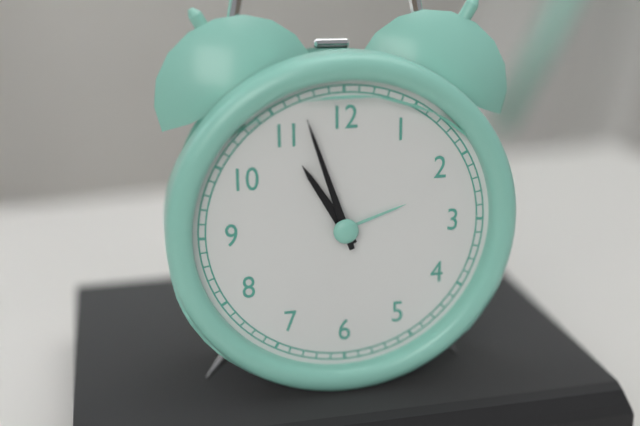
10:57
